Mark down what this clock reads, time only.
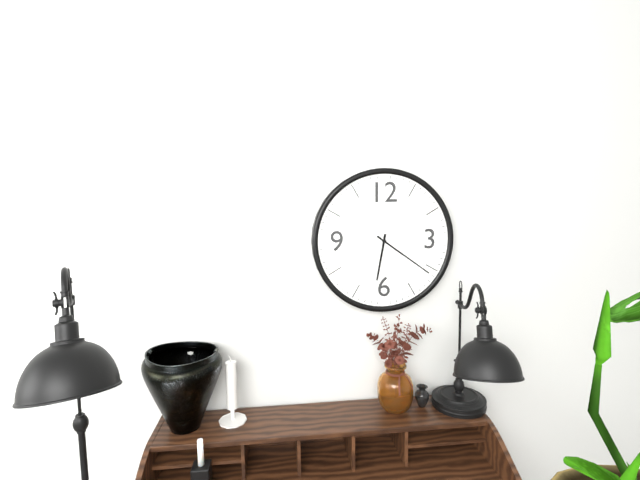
6:21
